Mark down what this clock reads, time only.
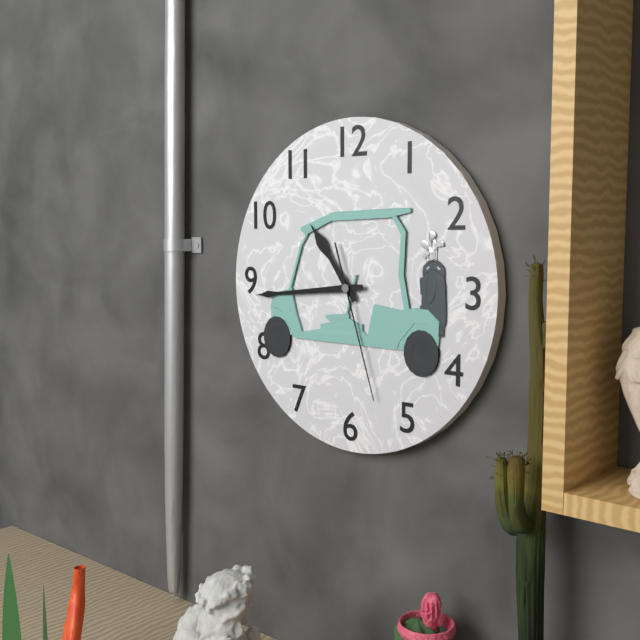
10:44:27
